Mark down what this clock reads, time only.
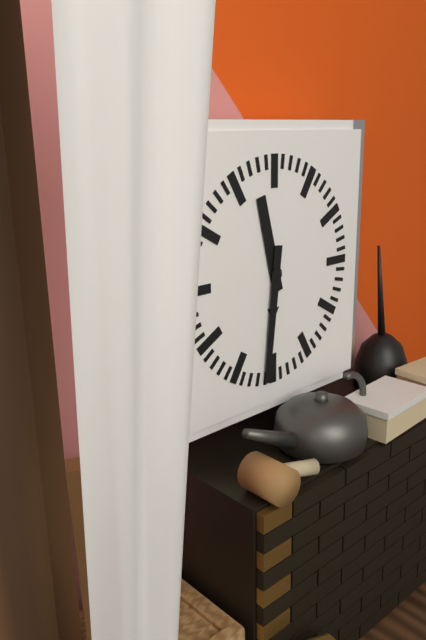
11:31
